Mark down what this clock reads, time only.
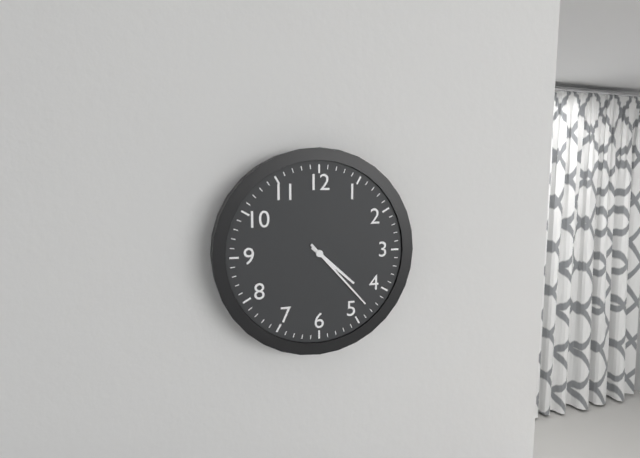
4:23
